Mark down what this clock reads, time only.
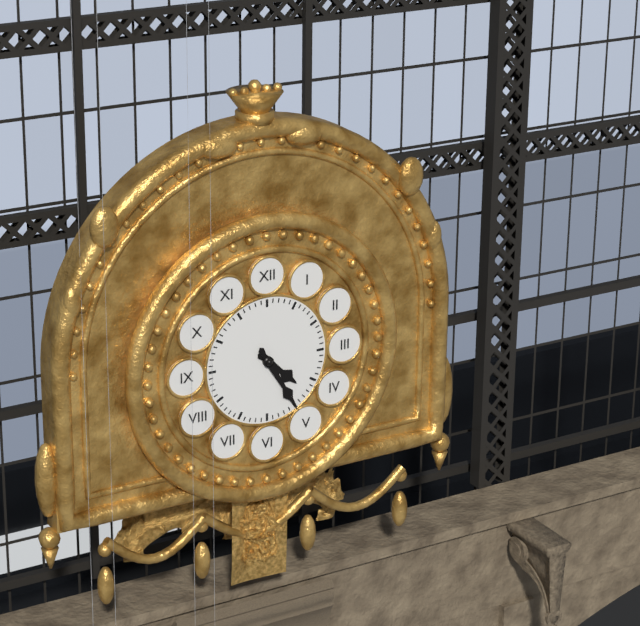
4:25
